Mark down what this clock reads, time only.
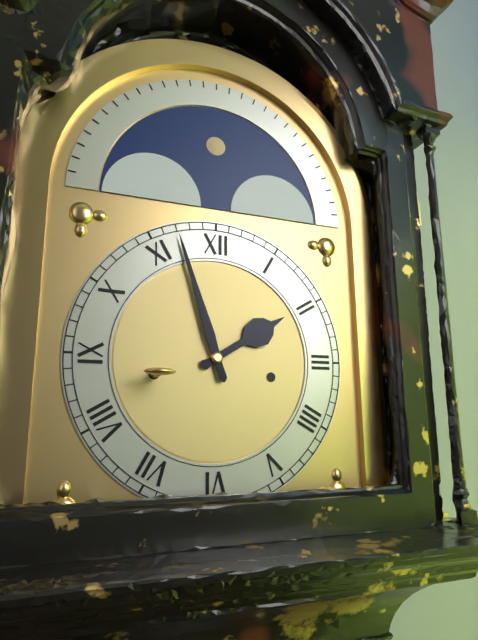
1:57
